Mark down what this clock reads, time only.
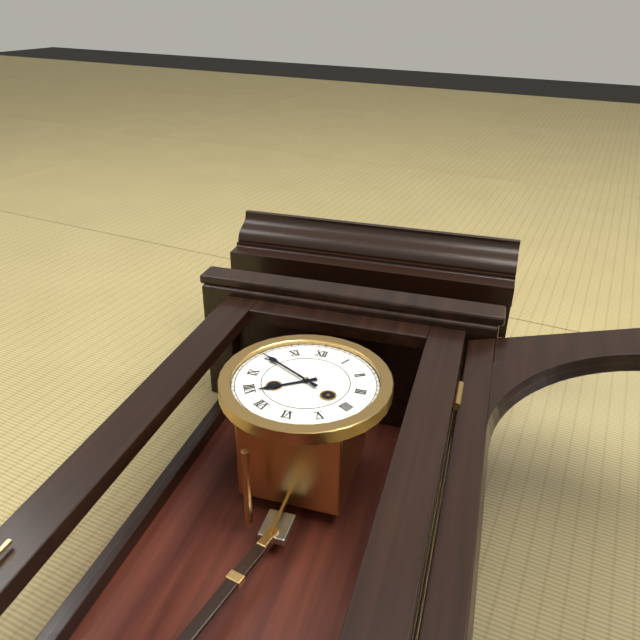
7:50
